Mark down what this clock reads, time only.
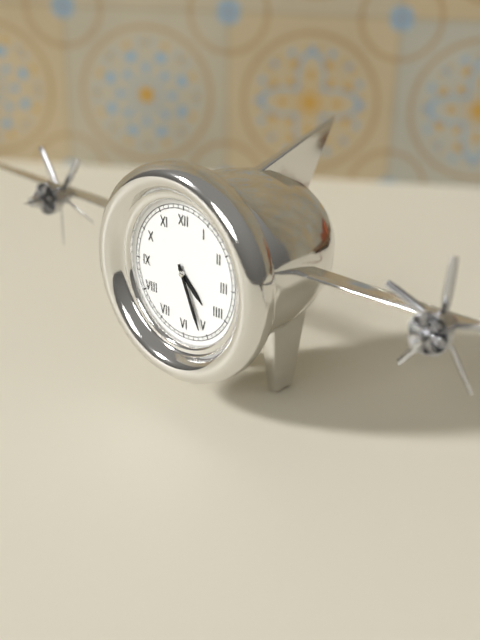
4:26
